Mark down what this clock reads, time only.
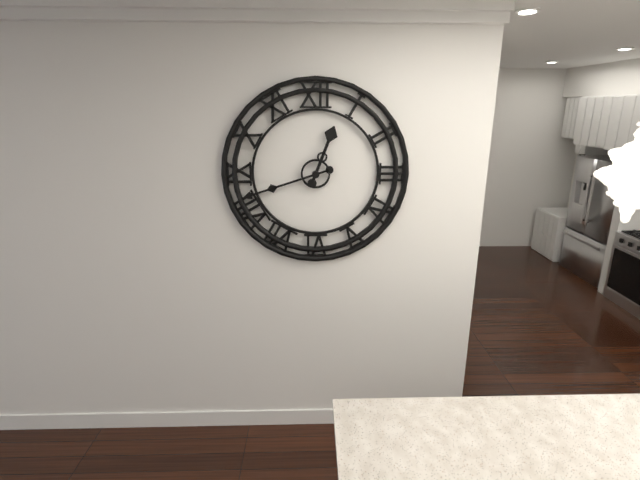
12:42
